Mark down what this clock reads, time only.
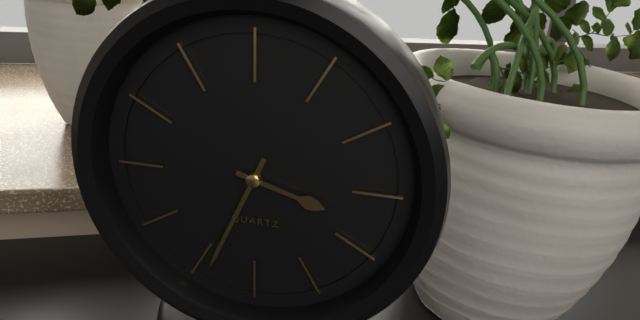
3:34
